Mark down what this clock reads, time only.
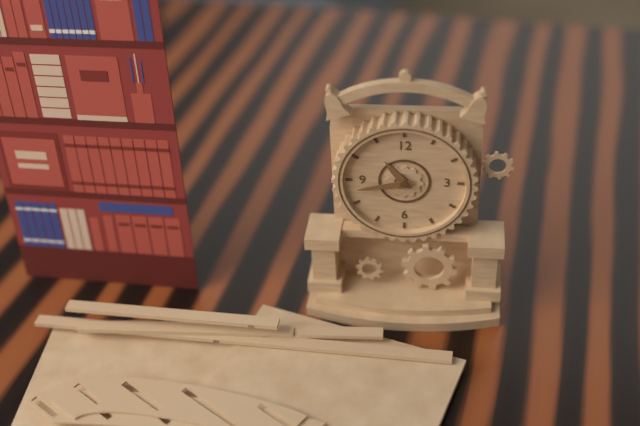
10:43
